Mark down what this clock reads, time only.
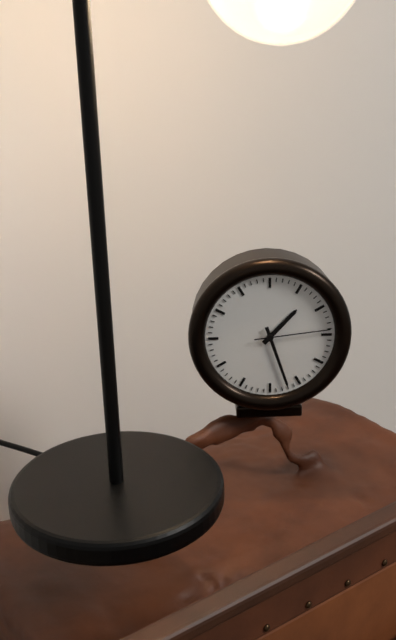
1:27:14
